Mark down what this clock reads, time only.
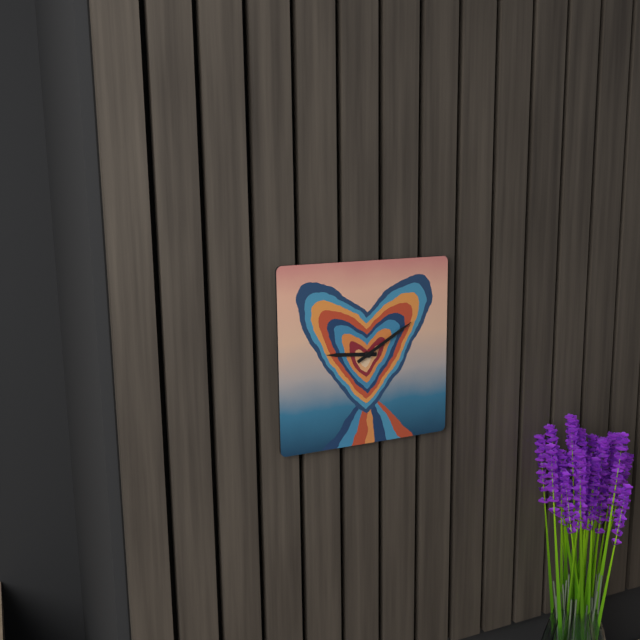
9:10
